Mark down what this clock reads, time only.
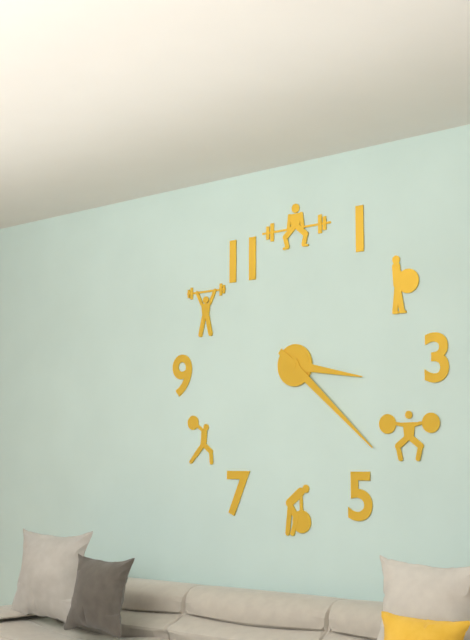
3:22
